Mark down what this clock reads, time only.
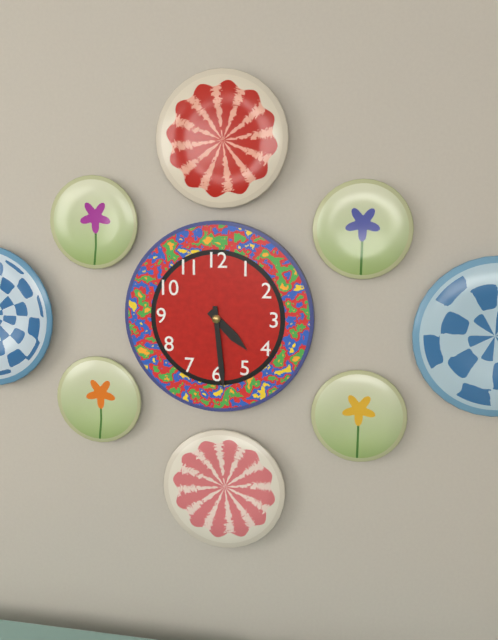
4:29
